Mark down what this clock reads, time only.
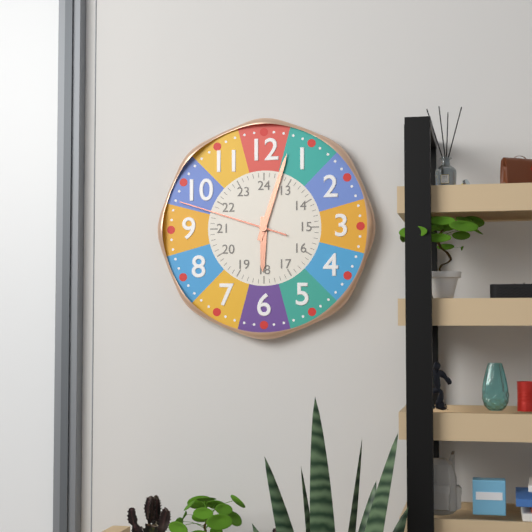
6:03:48
